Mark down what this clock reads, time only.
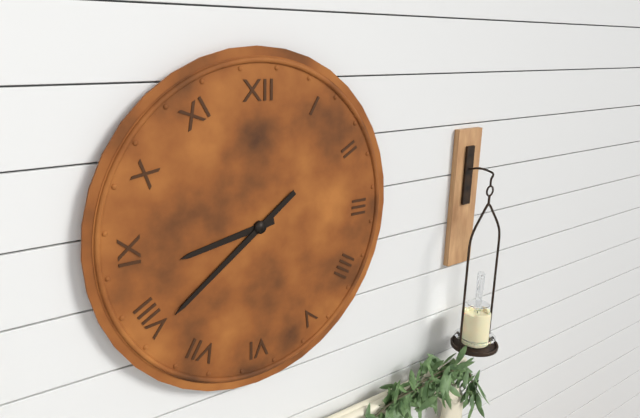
8:39
